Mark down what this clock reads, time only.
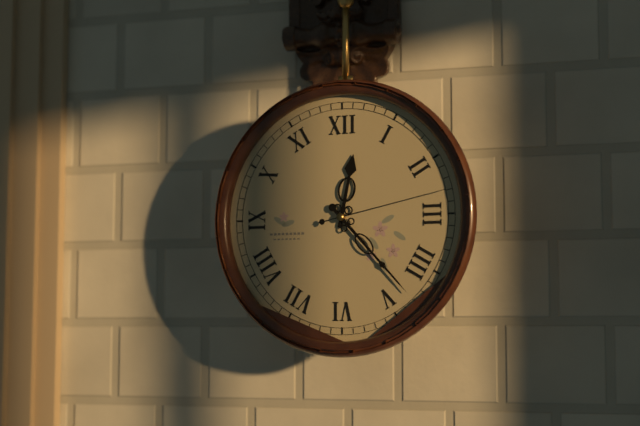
12:23:13
